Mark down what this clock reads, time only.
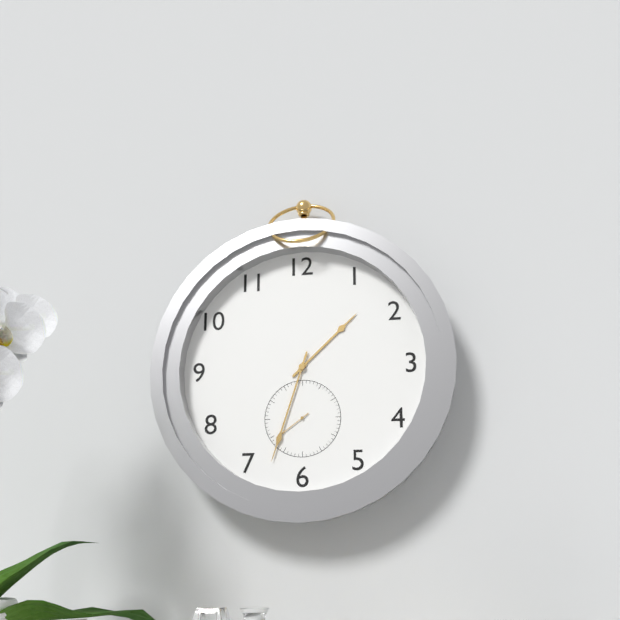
1:33
